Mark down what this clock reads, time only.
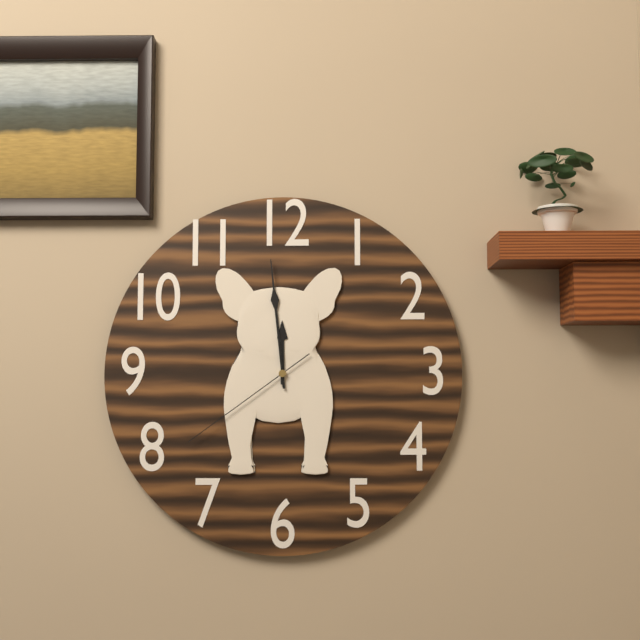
11:59:39
